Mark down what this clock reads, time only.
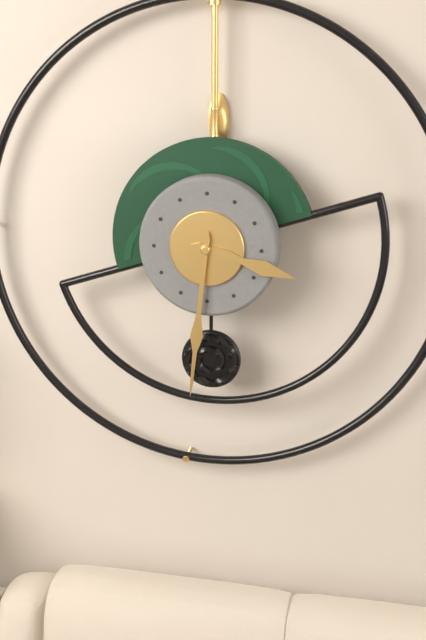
3:31
